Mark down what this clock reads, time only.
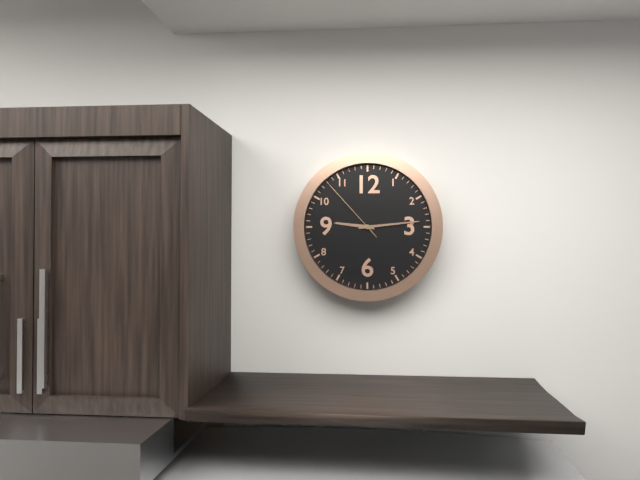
9:14:53
